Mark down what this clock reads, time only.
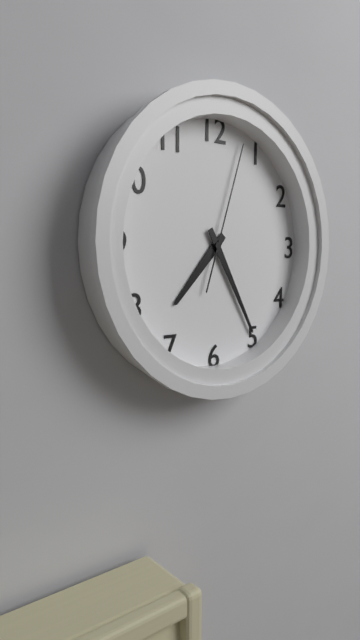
7:25:03
